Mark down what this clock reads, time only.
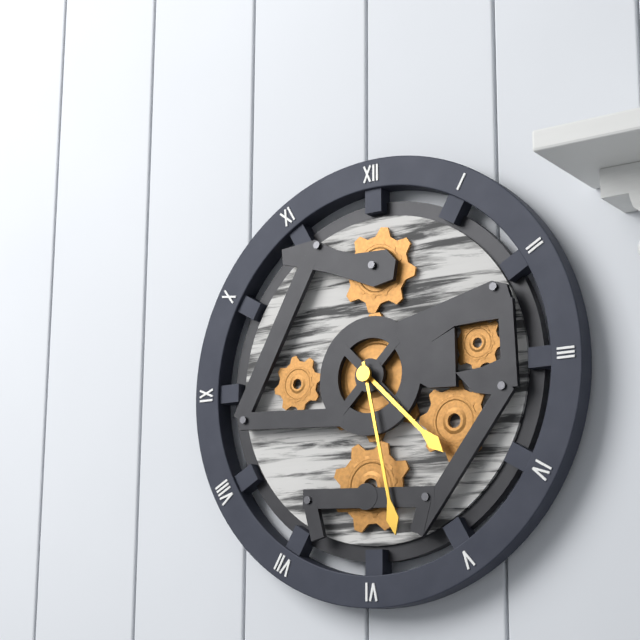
4:28
